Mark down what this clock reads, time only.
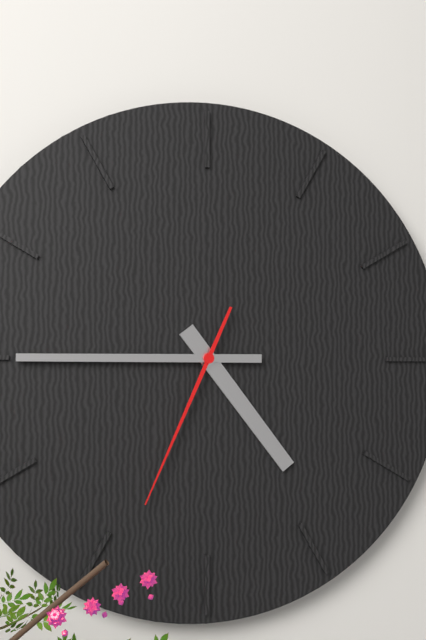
4:45:34
